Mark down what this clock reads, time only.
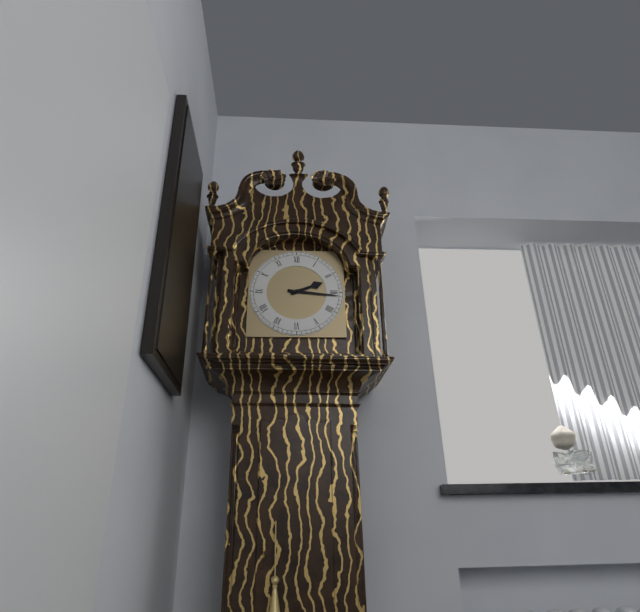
2:16
